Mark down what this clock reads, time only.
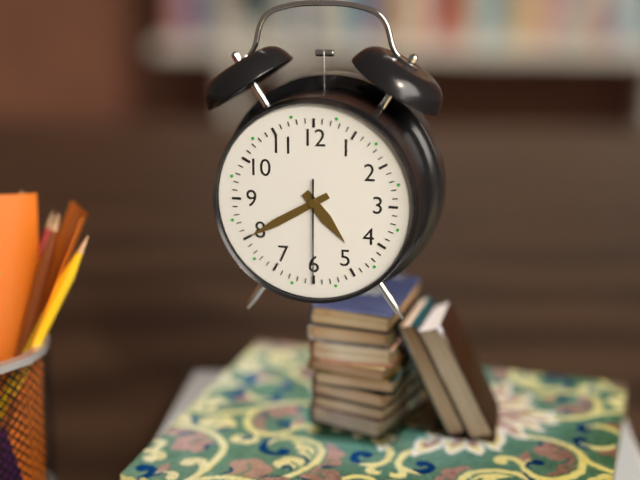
4:40:30
